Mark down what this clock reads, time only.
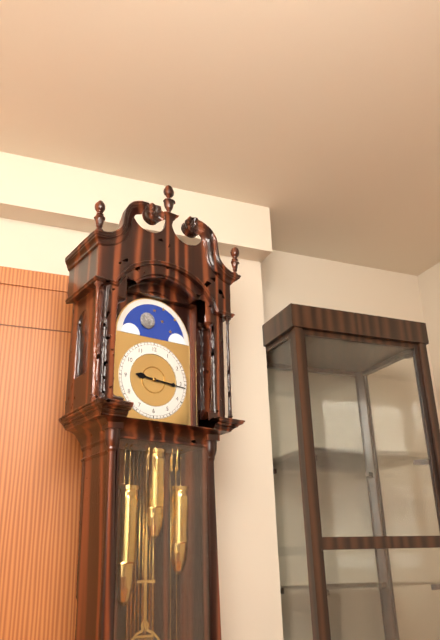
9:16
